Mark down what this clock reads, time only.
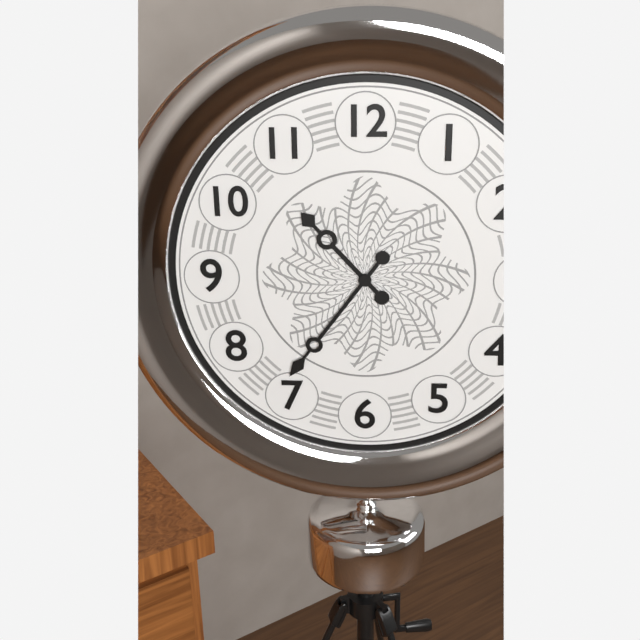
10:36
